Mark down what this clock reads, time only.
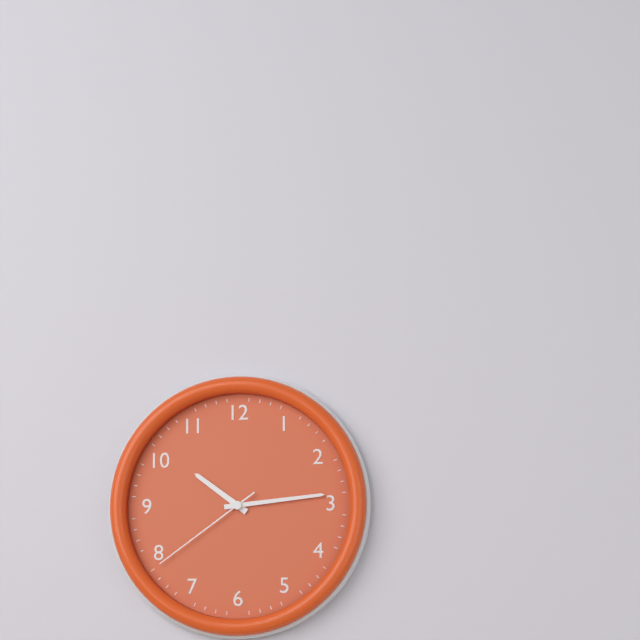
10:14:39
